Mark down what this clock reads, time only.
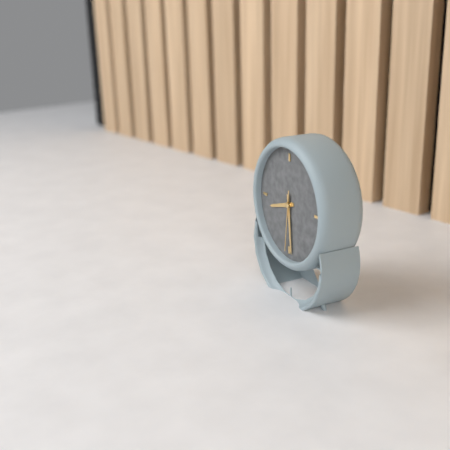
8:29:31
